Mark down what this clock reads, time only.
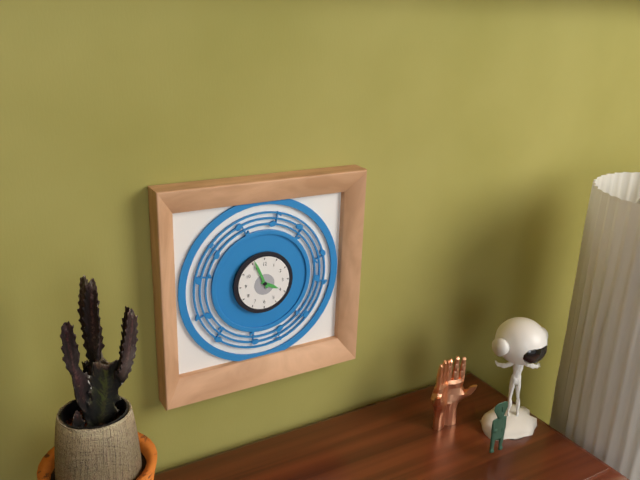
3:56
